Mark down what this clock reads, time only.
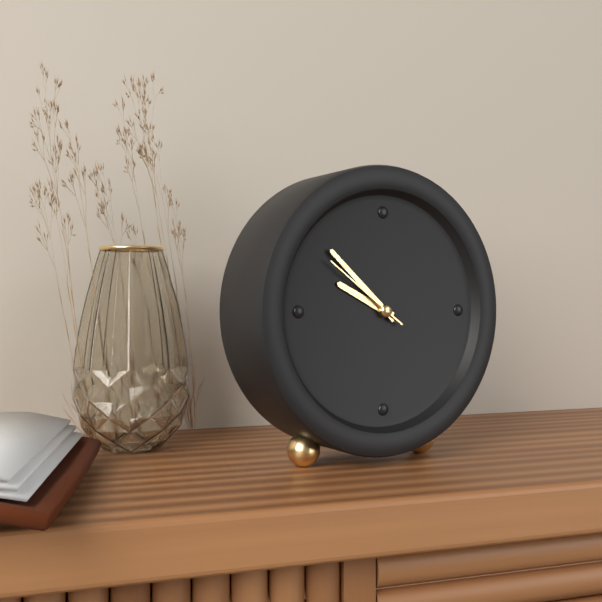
9:52:51
